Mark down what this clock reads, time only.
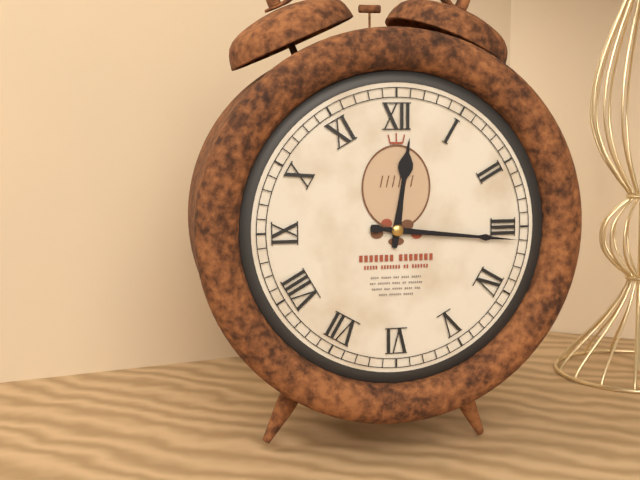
12:16
